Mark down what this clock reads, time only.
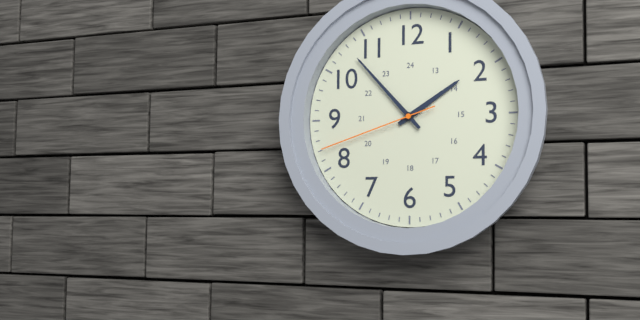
1:53:42
